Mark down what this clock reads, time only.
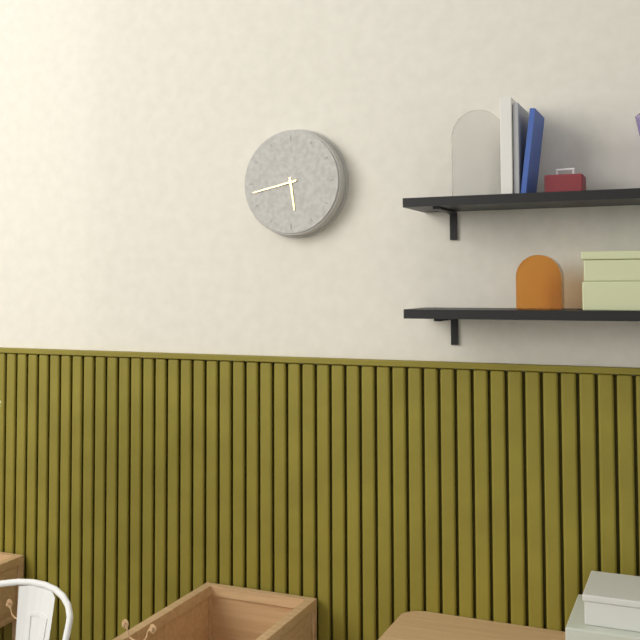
5:43
